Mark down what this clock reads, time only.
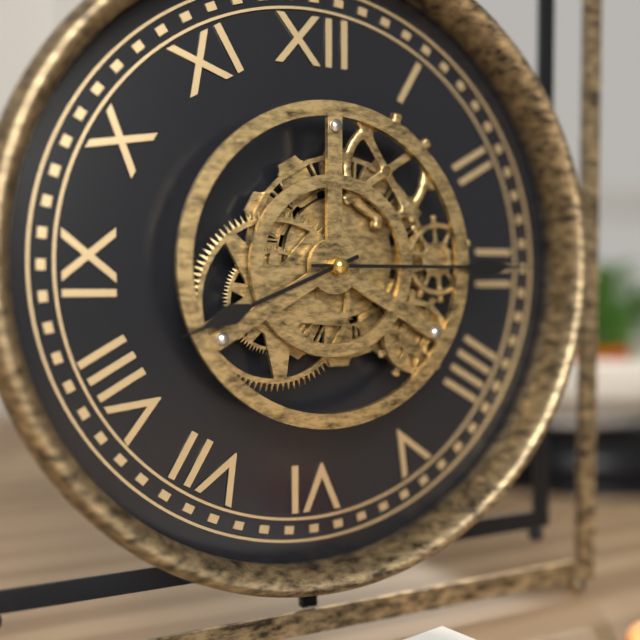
8:15
